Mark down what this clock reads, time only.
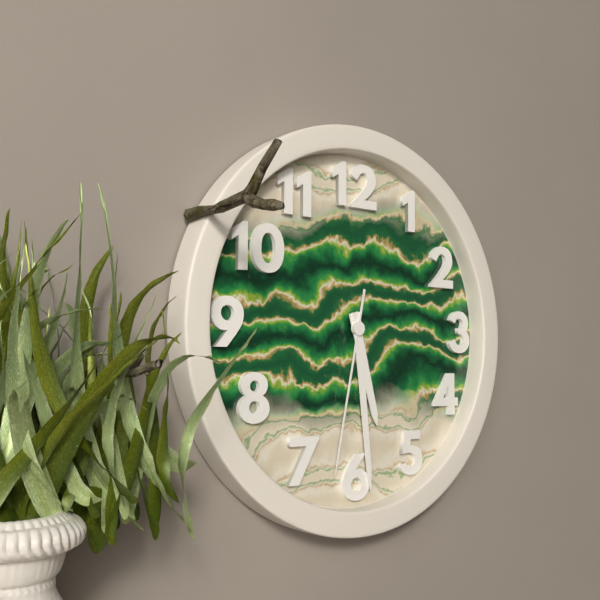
5:29:32
